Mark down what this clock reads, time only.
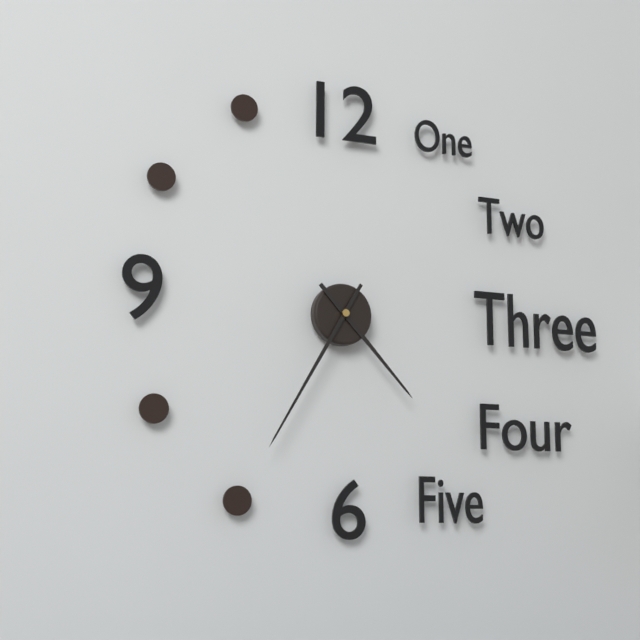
4:35
